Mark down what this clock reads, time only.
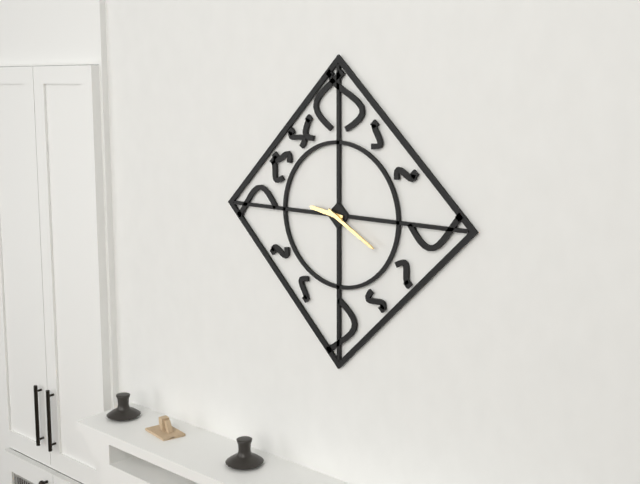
9:20
